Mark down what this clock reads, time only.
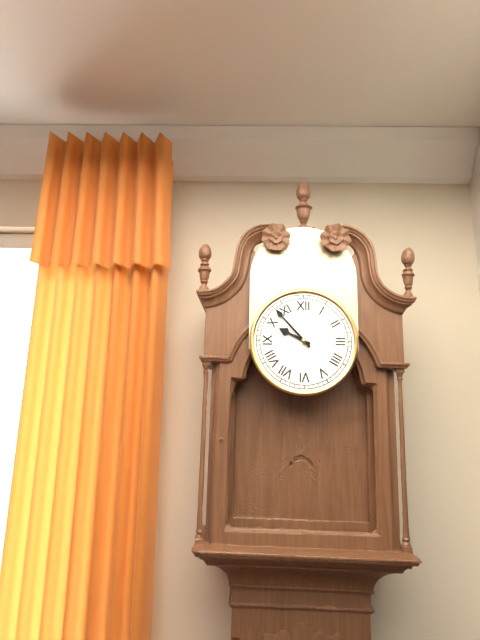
9:53
